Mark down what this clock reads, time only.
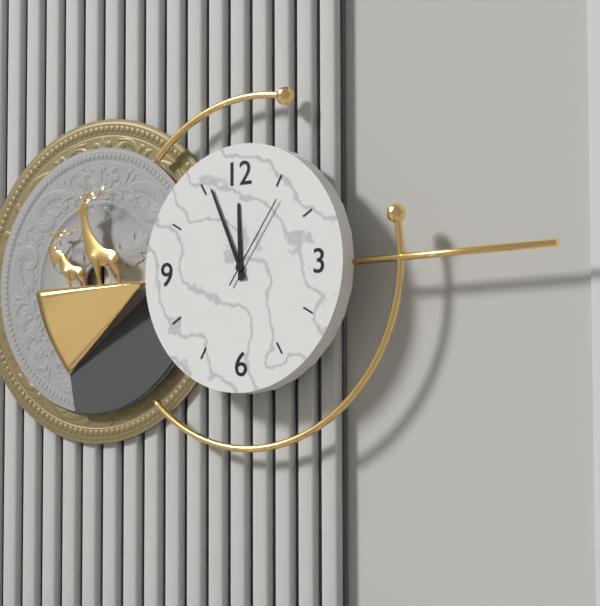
11:56:06
